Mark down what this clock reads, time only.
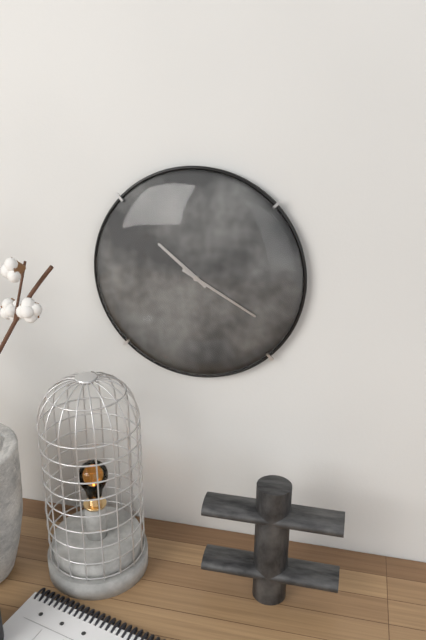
10:20
